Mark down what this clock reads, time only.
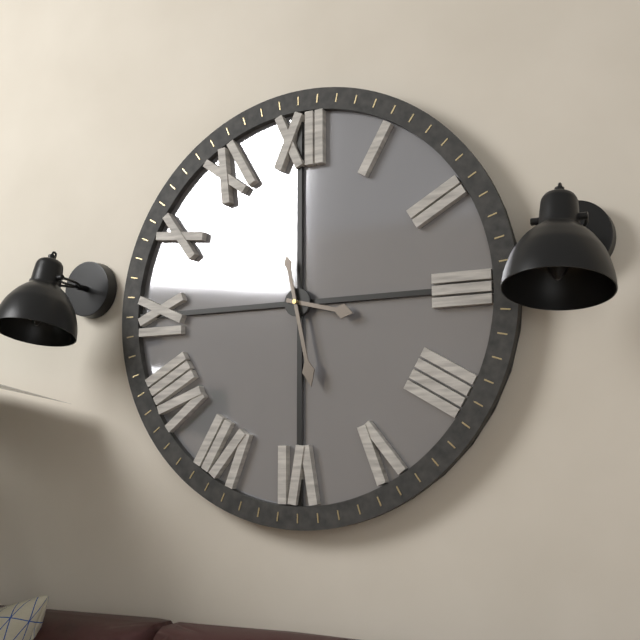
3:28
